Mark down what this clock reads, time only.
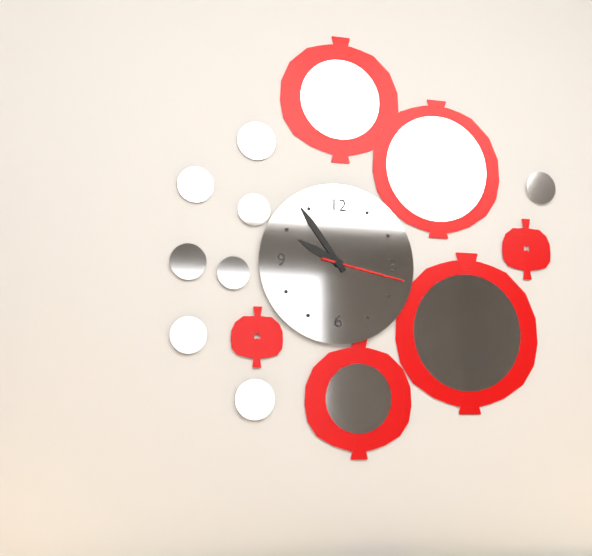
9:54:17
